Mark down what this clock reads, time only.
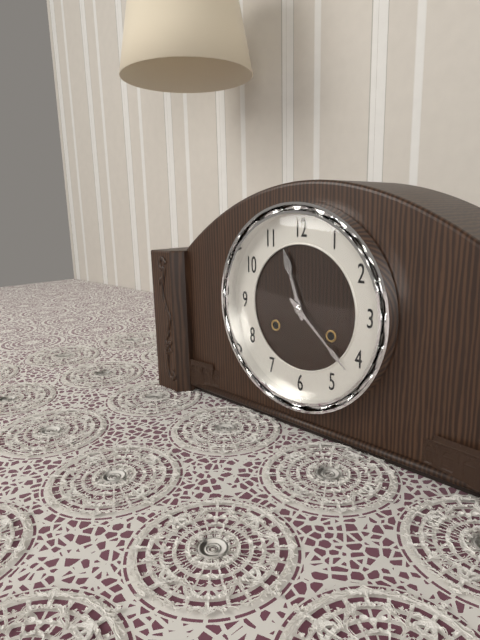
11:22
